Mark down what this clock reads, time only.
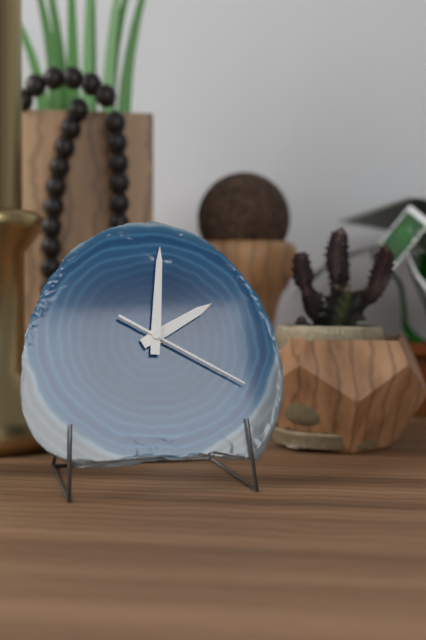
2:01:20
